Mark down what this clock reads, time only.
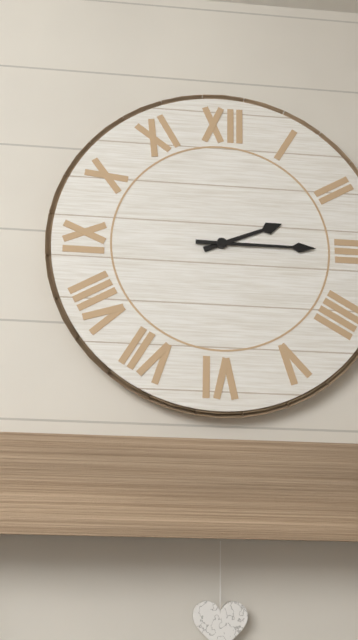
2:15
